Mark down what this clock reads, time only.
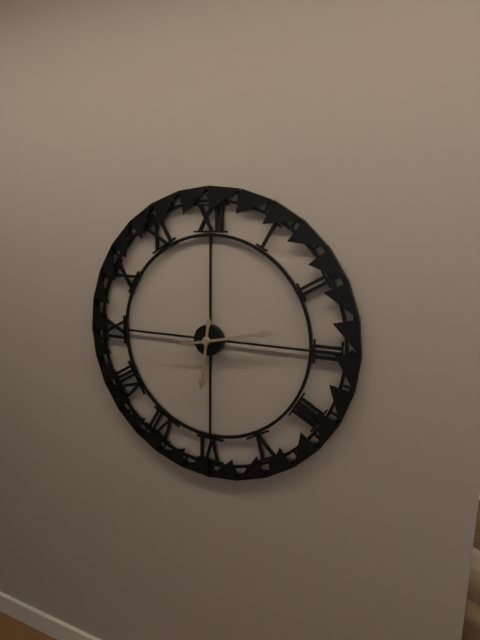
6:13
